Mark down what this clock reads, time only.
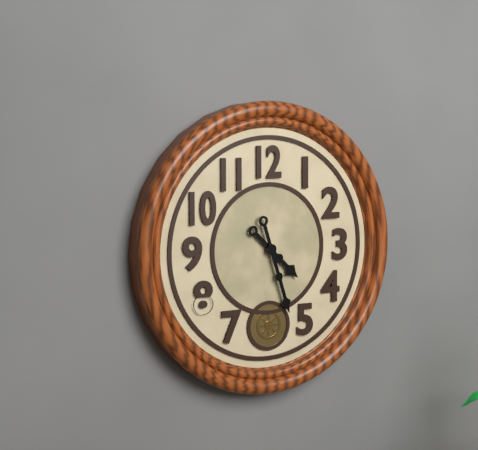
4:27
